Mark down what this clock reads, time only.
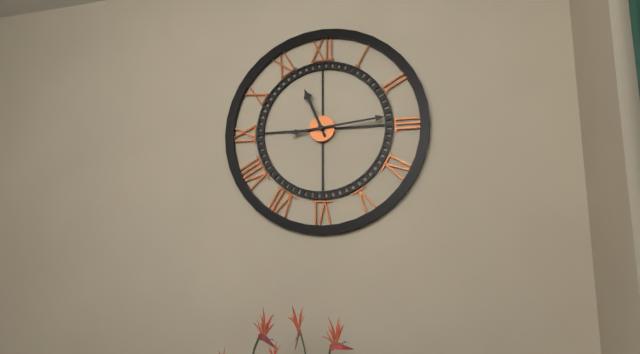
11:14
